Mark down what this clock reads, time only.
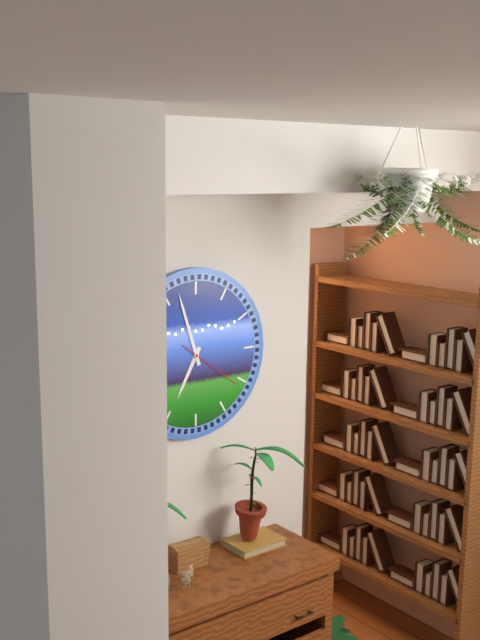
6:57:21
